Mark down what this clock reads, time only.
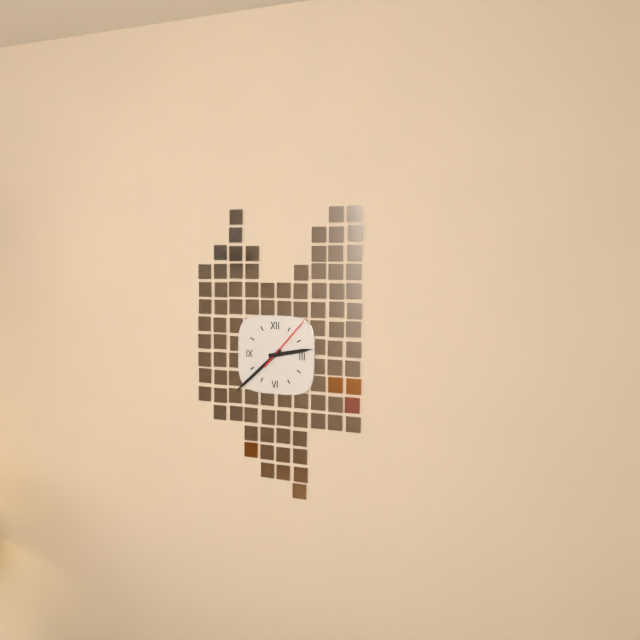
2:38:07
